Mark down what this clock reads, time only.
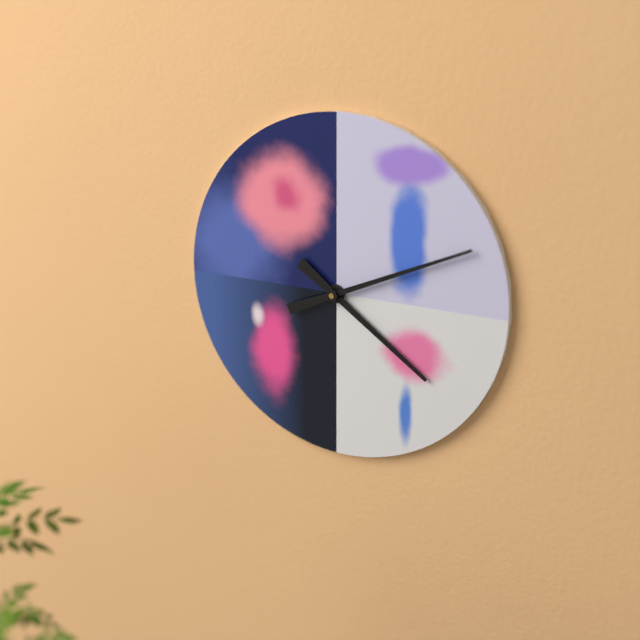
4:11
